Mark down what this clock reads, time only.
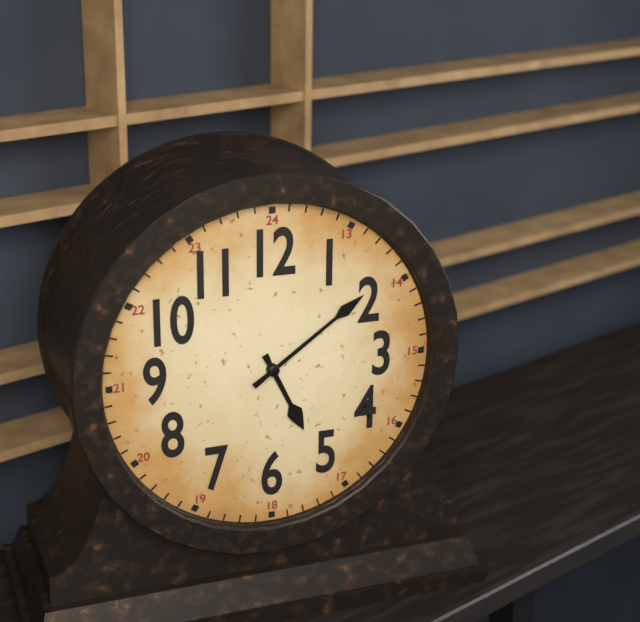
5:09
